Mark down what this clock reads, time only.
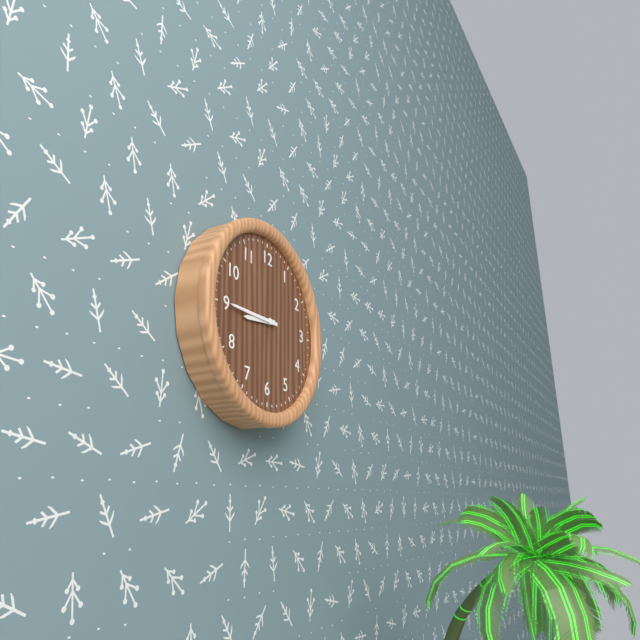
8:45
